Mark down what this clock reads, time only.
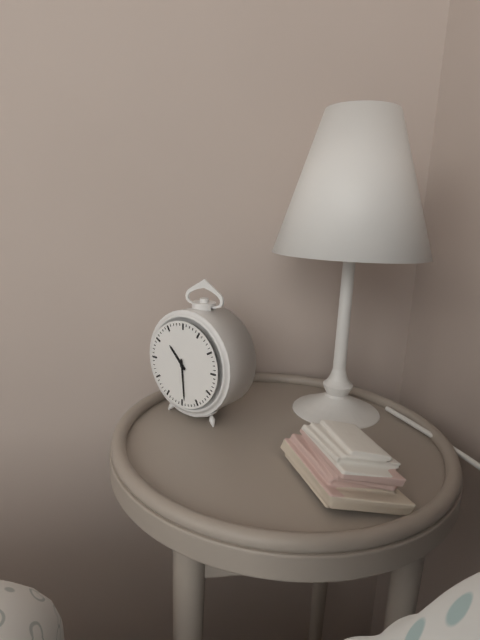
10:29
